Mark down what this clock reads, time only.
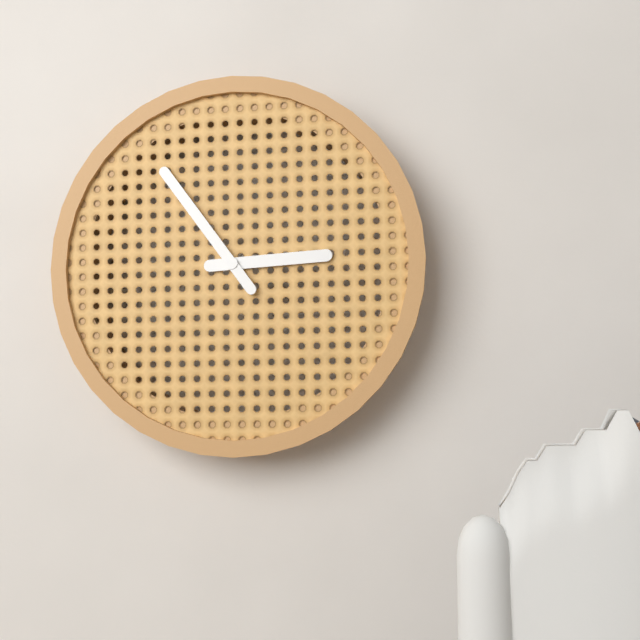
2:54
